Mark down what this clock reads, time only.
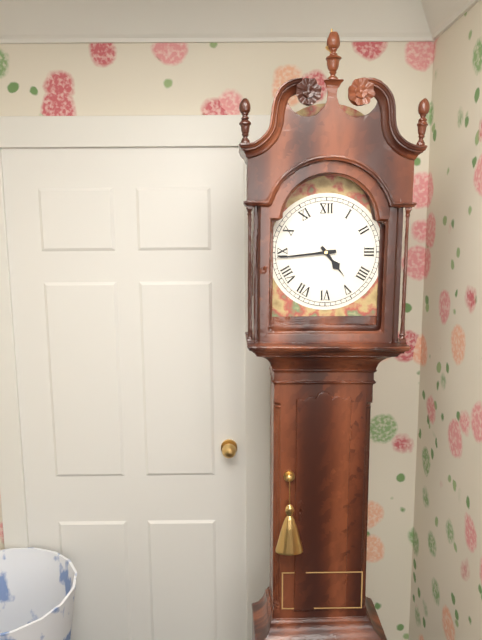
4:44
